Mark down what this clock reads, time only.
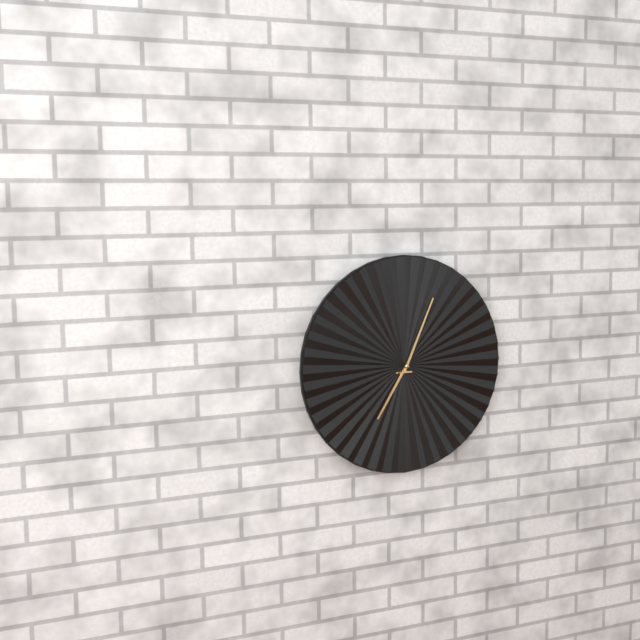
7:04
